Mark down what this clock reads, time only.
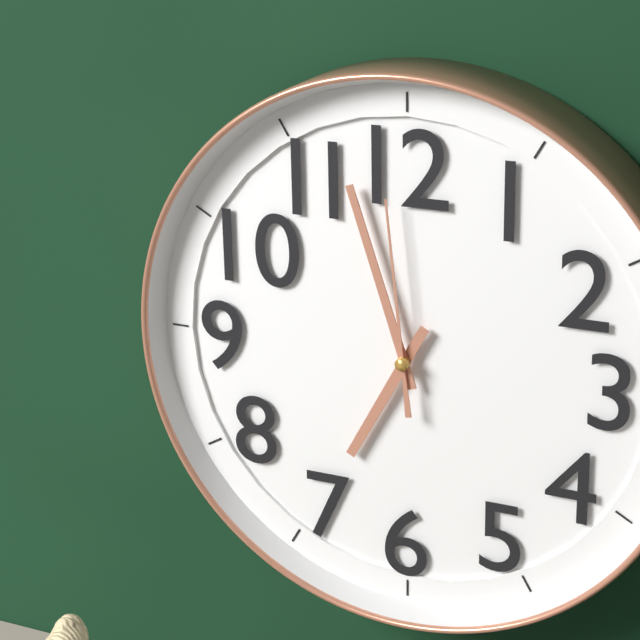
6:57:59
